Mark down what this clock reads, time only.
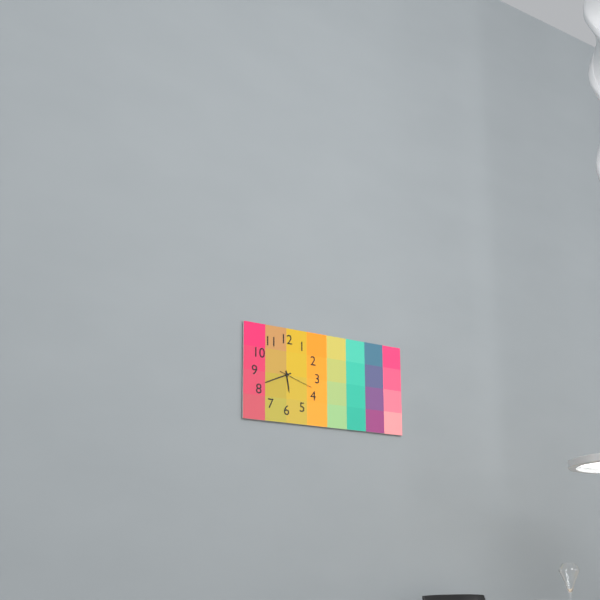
5:41
